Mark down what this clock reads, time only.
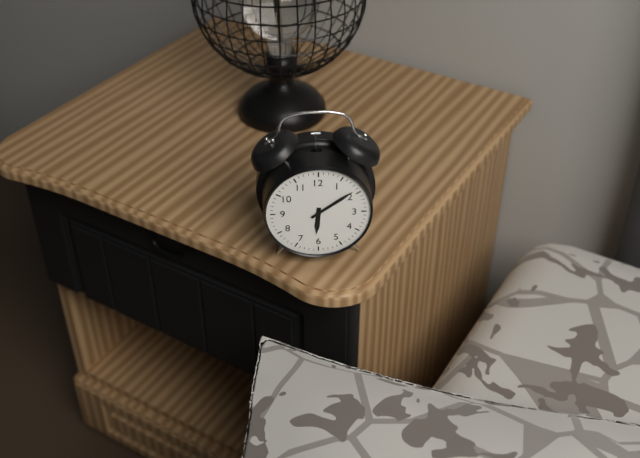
6:09
